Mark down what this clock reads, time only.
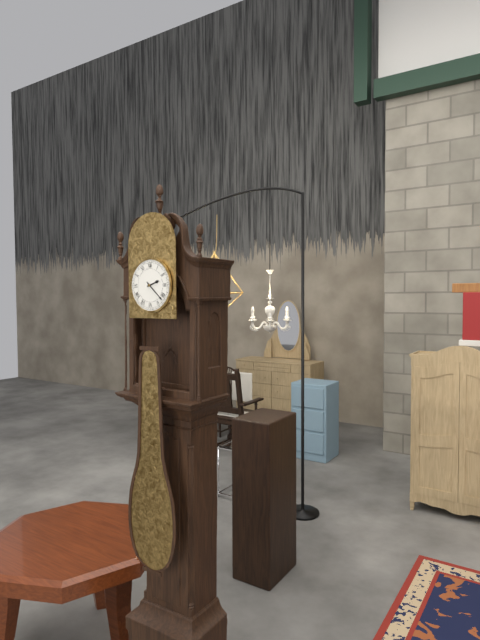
2:22
